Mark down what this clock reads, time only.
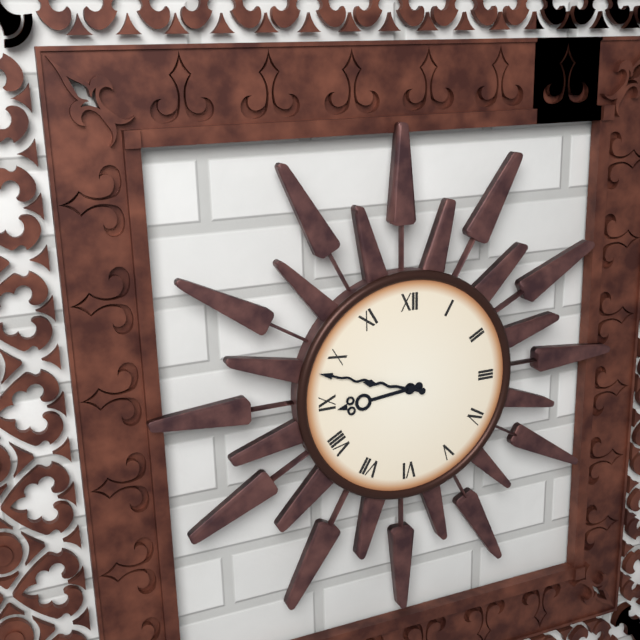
8:48
